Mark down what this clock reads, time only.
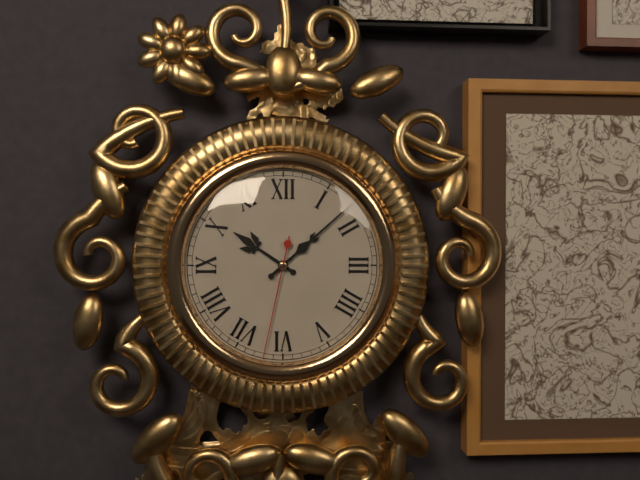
10:08:32
